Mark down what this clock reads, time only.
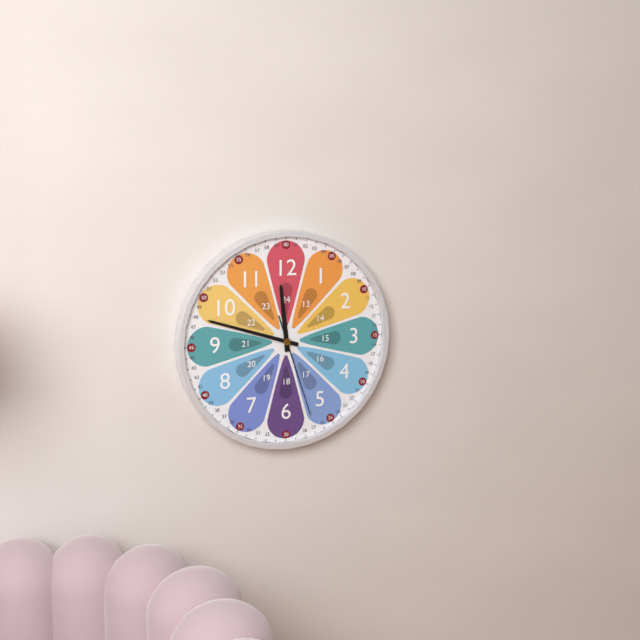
11:48:27
